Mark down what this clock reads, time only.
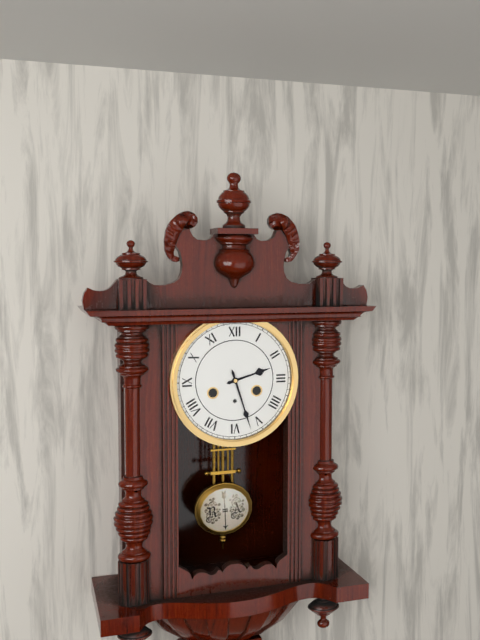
2:27
